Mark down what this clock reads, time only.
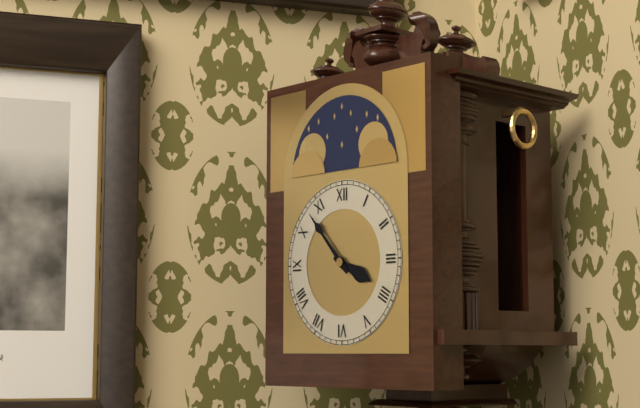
3:53
